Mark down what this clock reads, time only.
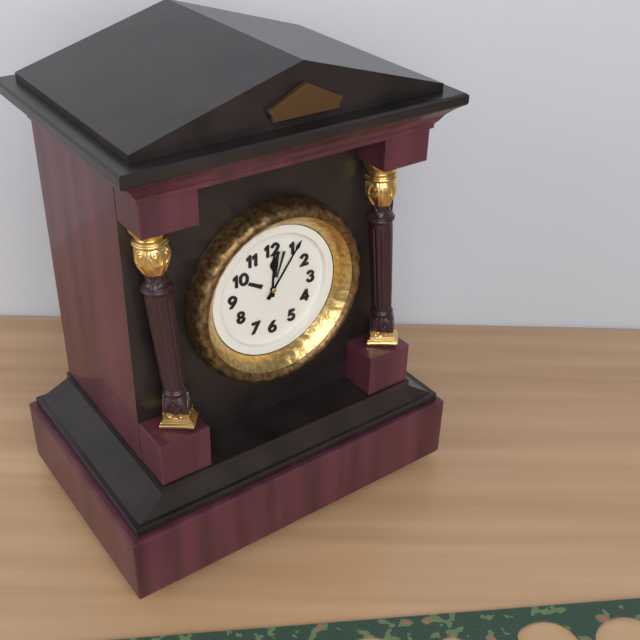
12:06
